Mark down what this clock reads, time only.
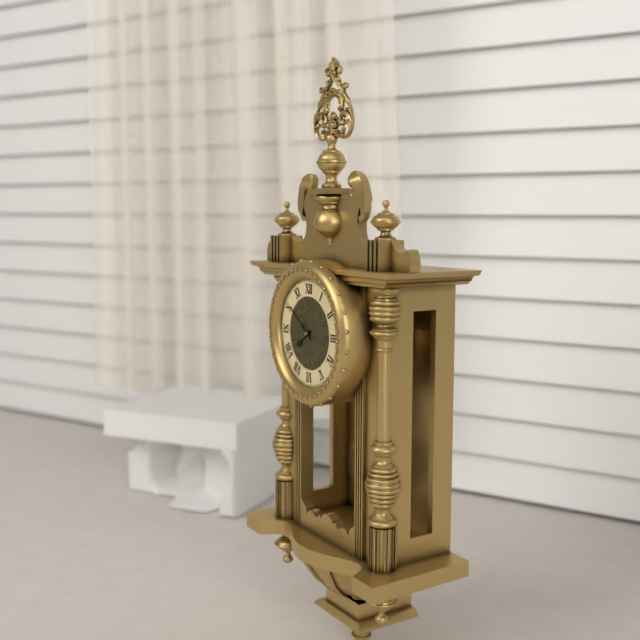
7:51
